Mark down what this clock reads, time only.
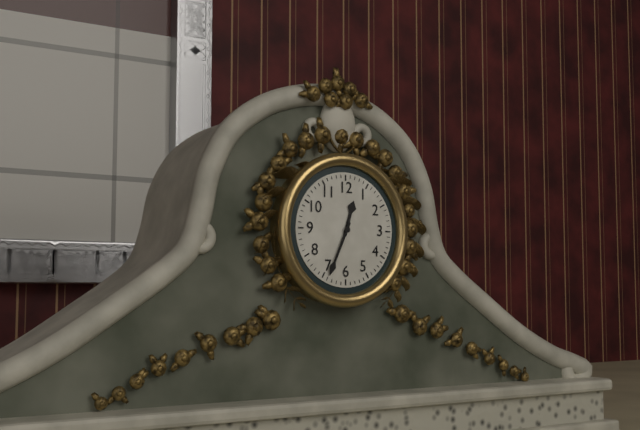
12:34
